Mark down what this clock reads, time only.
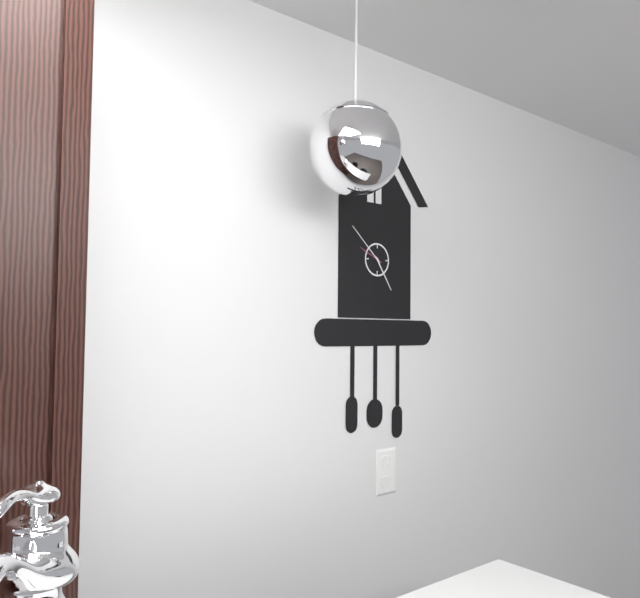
4:52
